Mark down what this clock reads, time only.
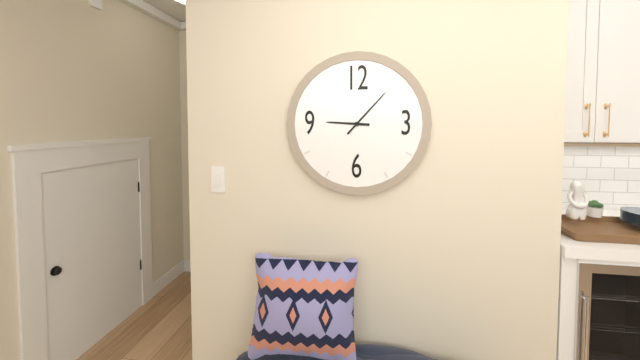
9:07
